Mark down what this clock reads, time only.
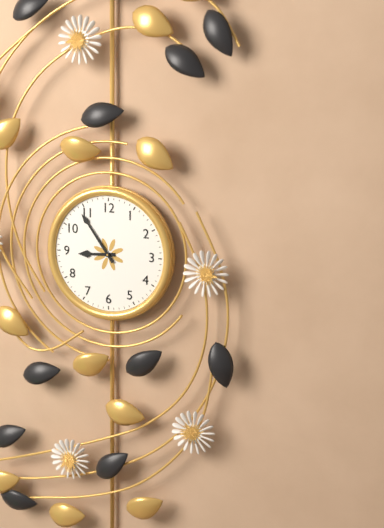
8:54
